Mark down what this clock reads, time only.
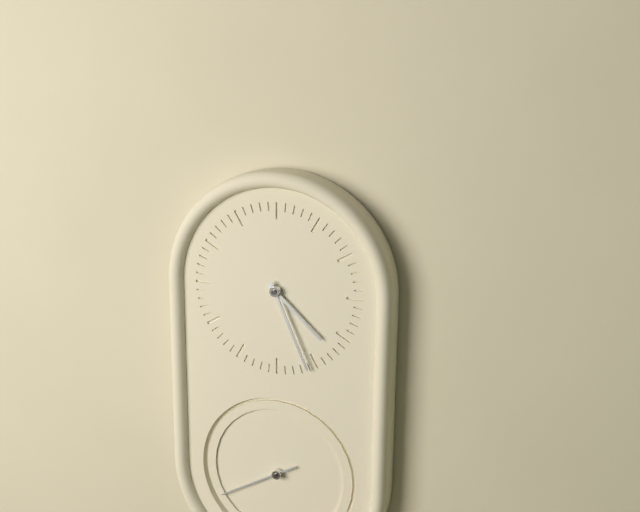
4:26:40
